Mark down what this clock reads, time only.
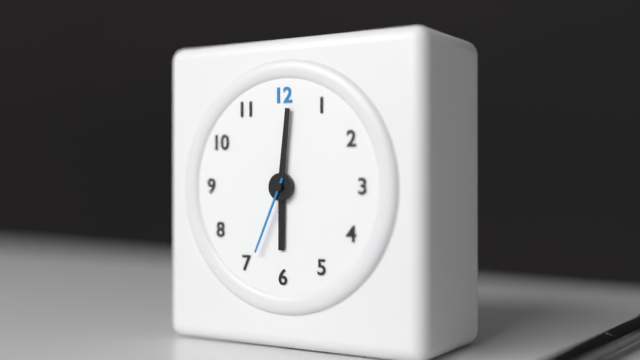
6:01:34
